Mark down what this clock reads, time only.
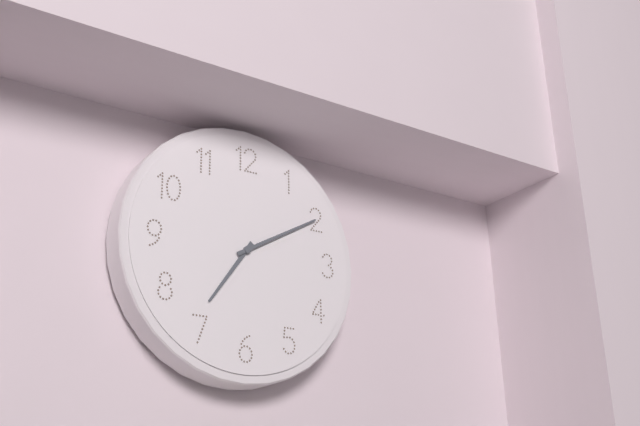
7:10
